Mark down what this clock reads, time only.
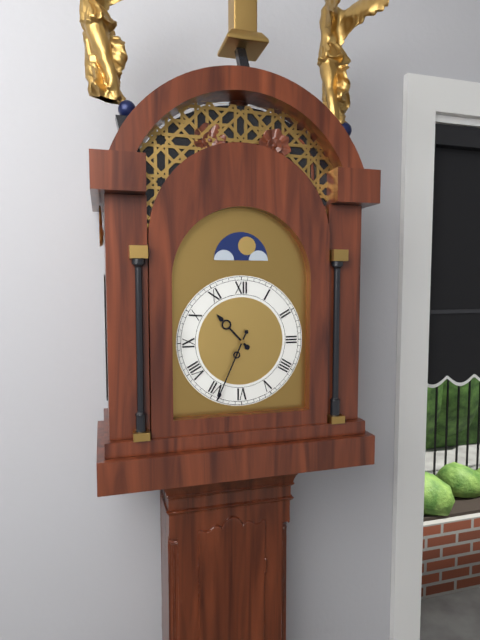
10:34
